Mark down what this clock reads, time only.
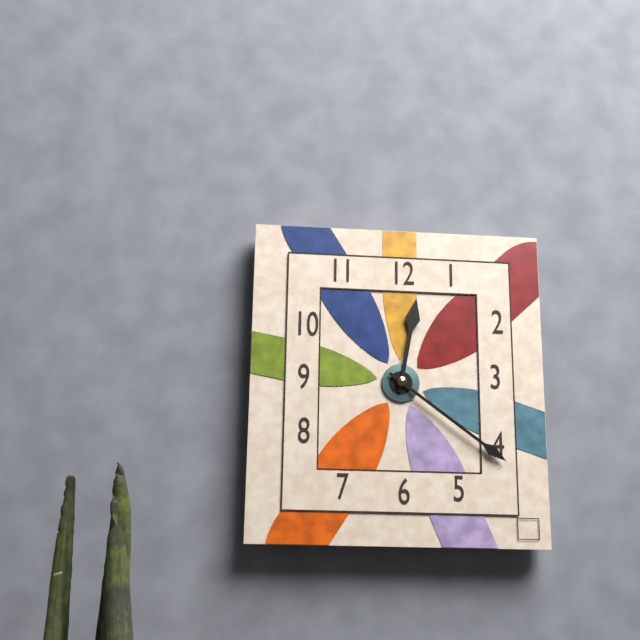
12:21
